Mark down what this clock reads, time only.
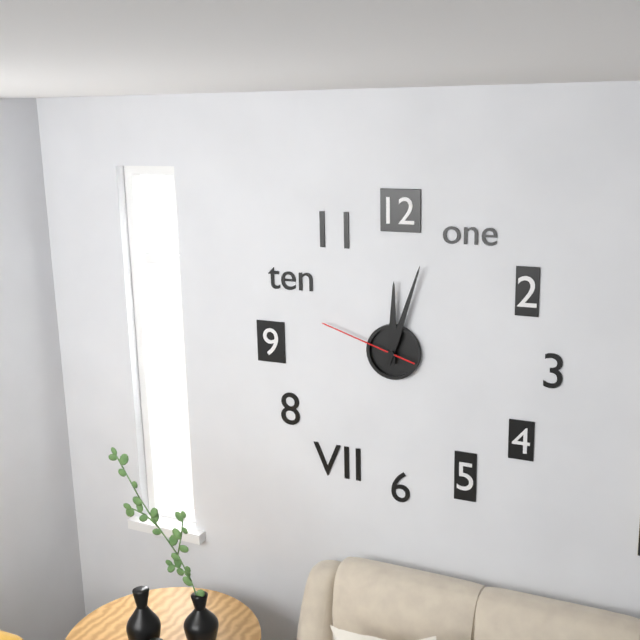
12:03:48
